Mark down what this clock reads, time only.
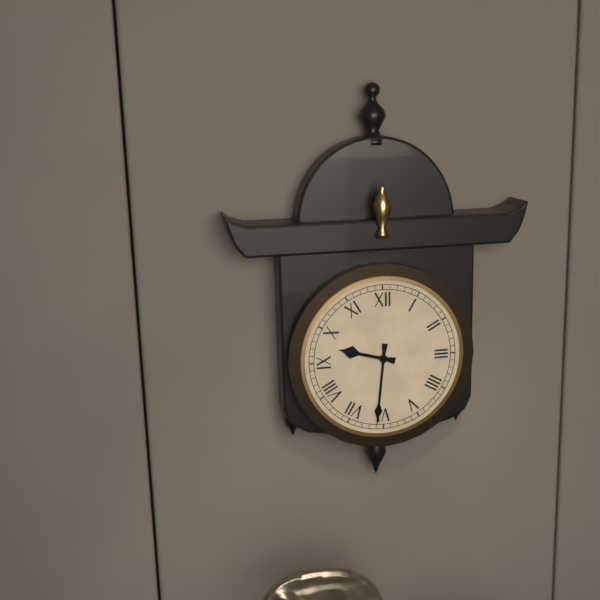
9:31
